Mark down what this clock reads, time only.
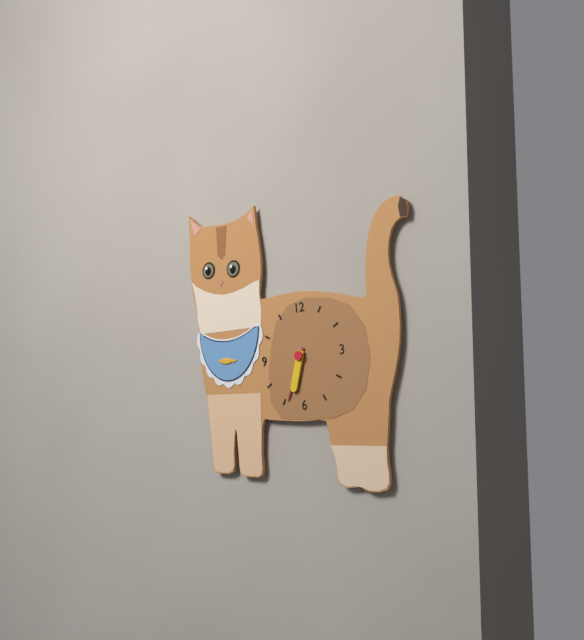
6:34
